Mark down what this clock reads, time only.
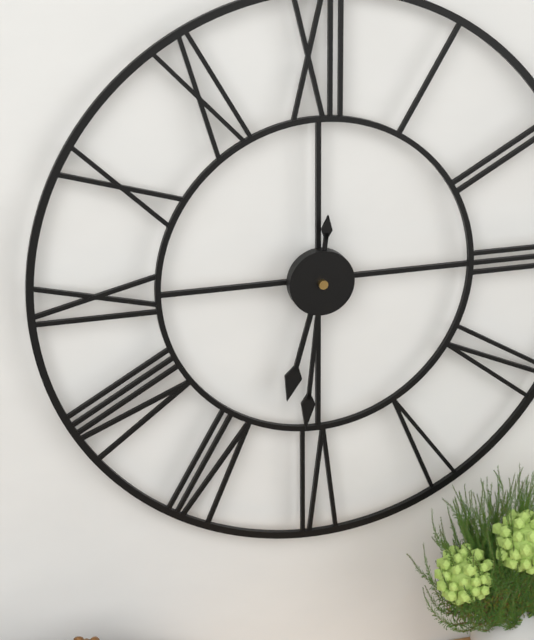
6:31
